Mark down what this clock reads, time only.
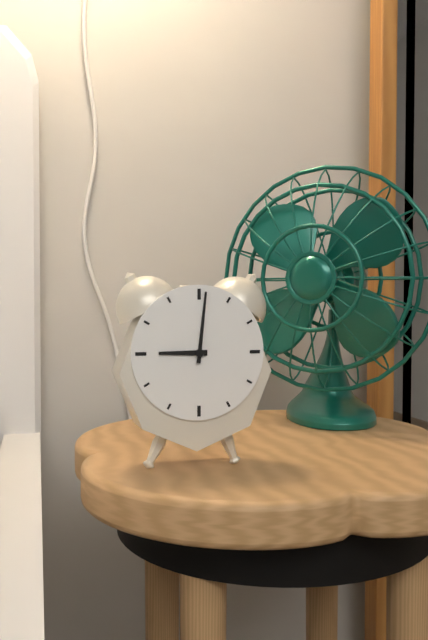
9:01
